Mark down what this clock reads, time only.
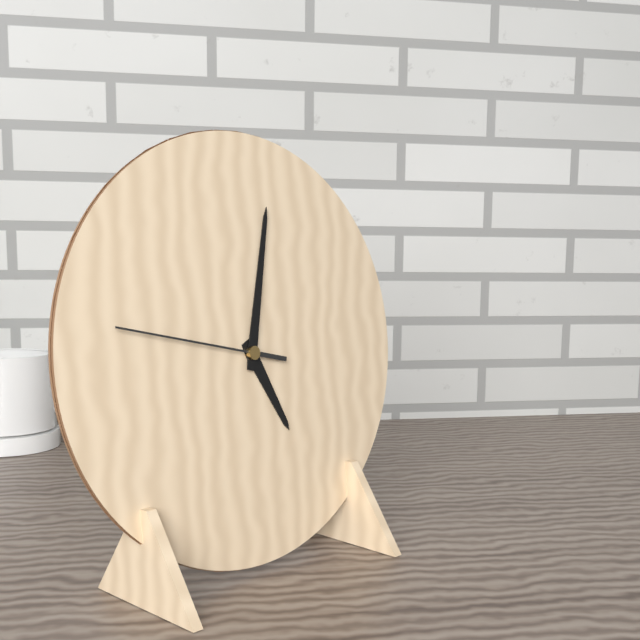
5:02:47
